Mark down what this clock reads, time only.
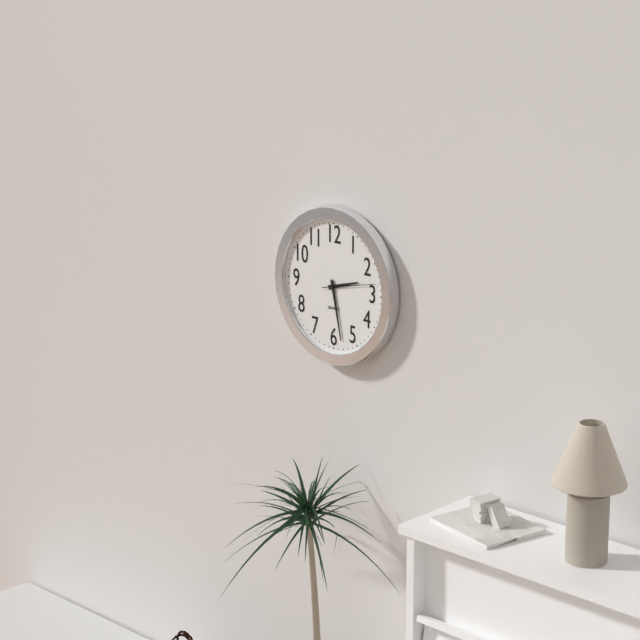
2:28:13
